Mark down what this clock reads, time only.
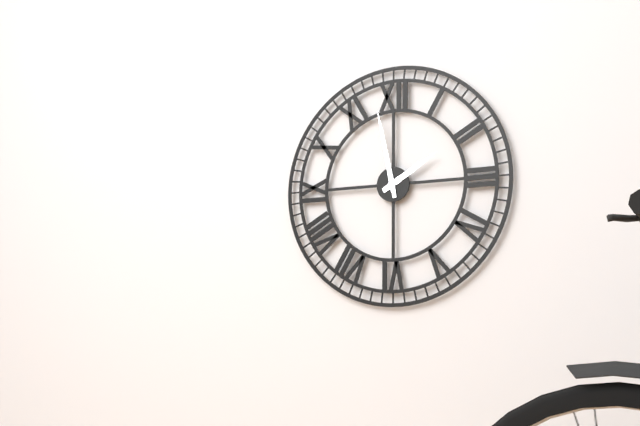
1:58
